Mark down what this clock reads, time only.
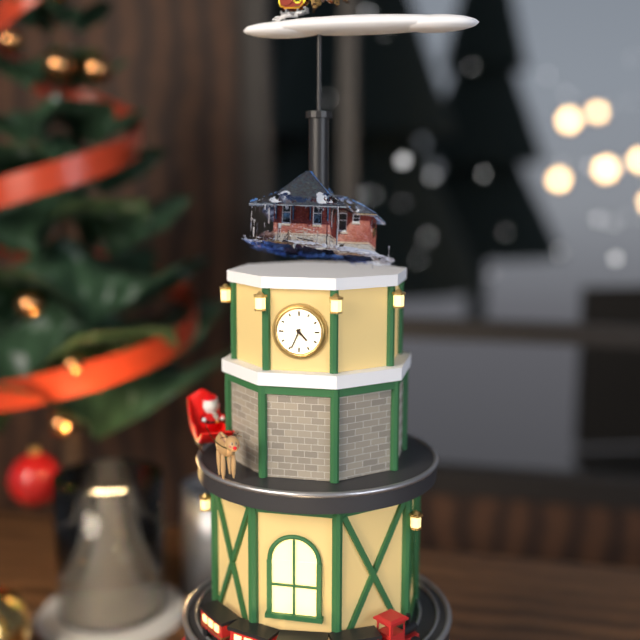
4:34
